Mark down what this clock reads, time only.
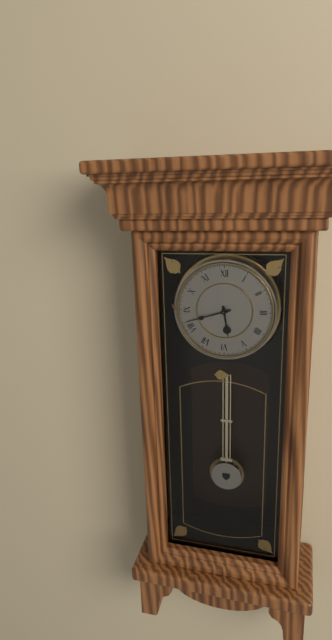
5:42
